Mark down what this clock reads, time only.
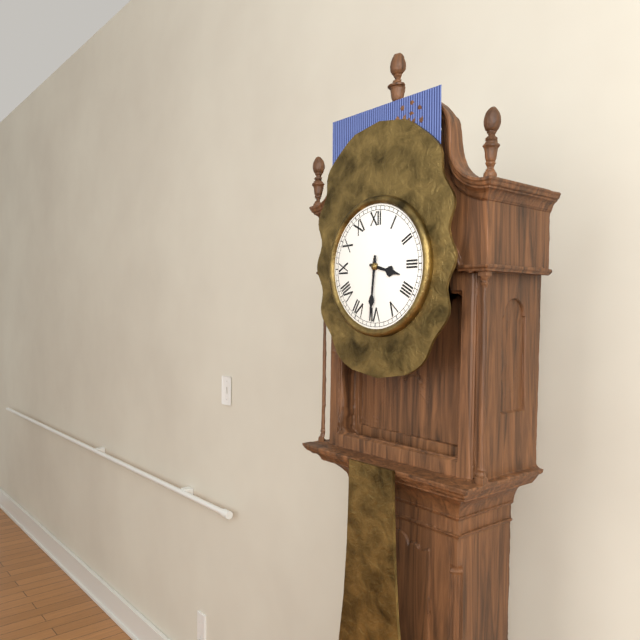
3:31
